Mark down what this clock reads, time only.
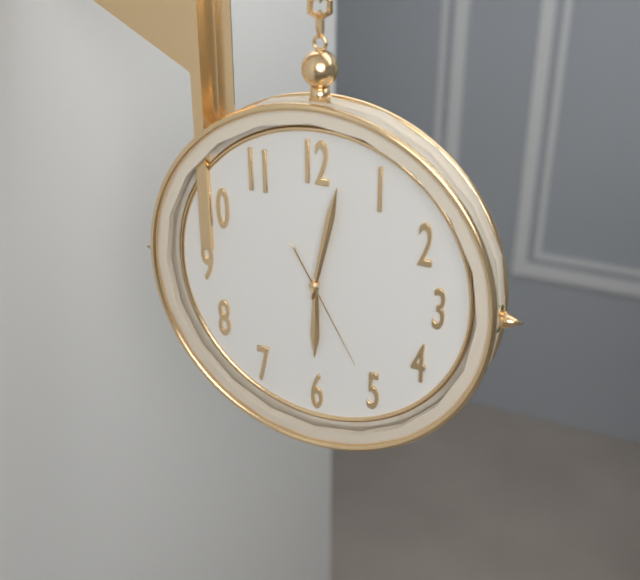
6:02:25
